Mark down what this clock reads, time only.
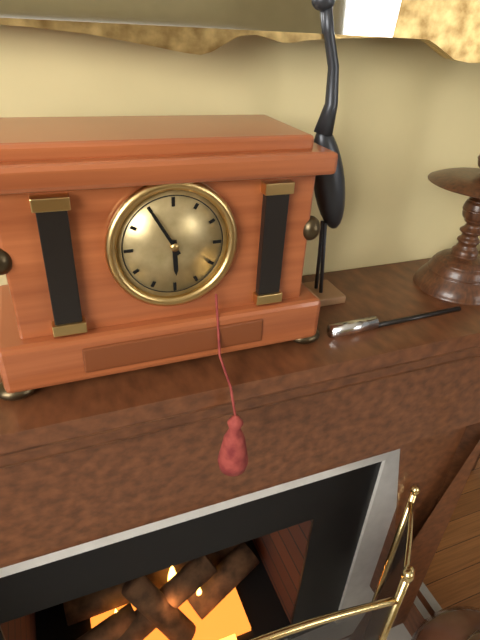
5:55
